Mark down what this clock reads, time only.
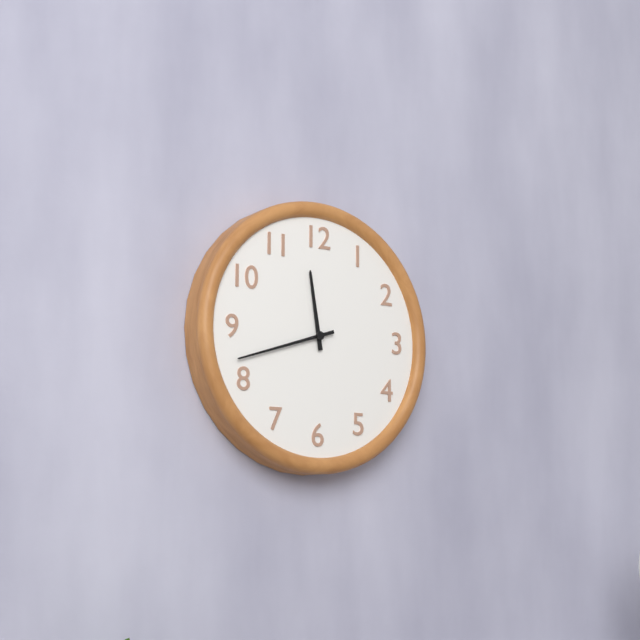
11:42
